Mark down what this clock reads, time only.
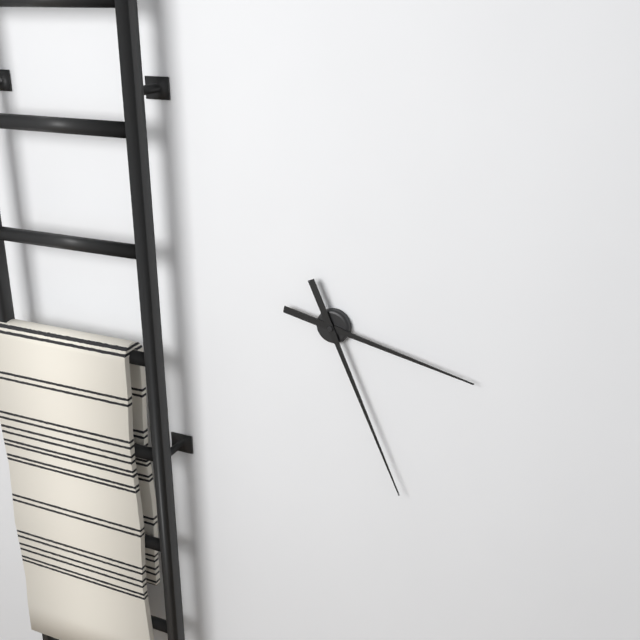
3:26
